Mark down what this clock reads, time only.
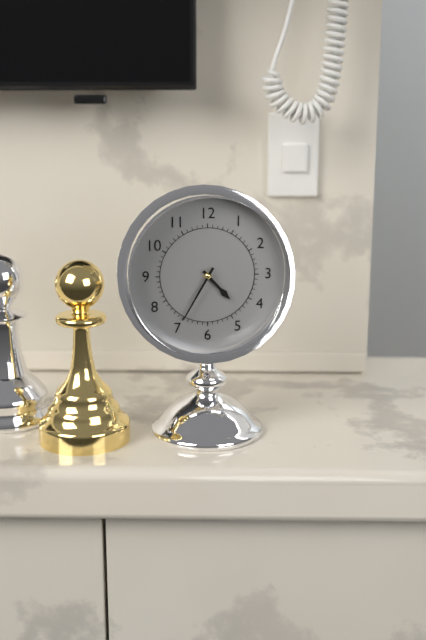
4:35
